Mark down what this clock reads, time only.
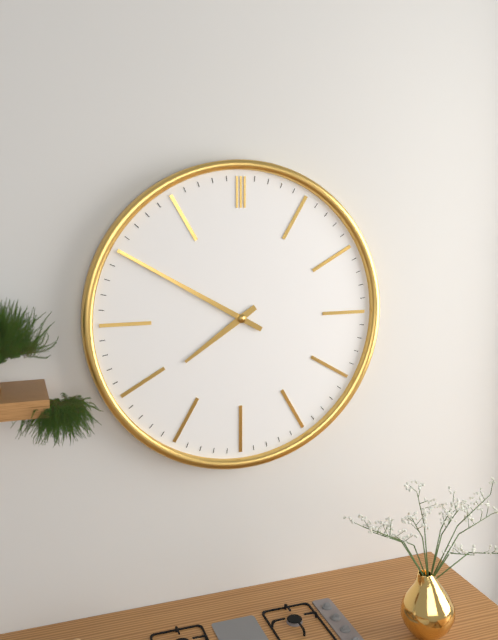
7:50
